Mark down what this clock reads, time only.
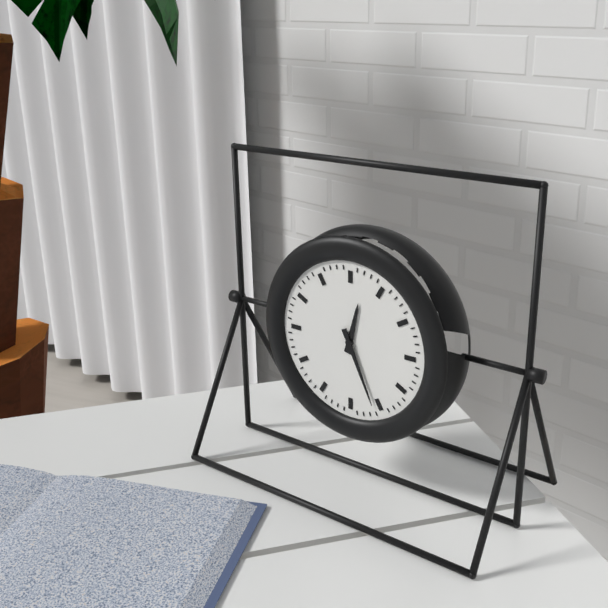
12:26
